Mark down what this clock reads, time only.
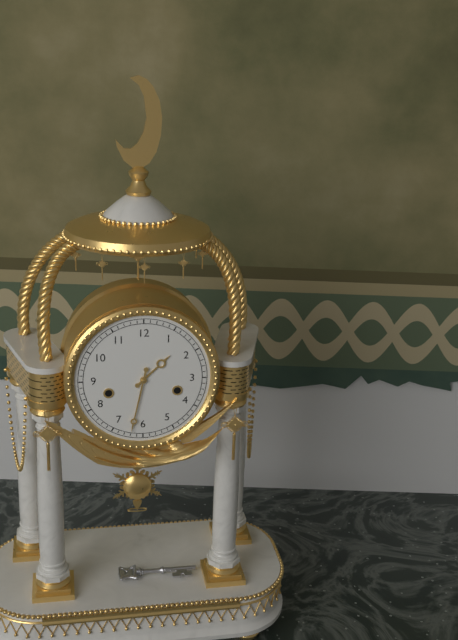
1:32
